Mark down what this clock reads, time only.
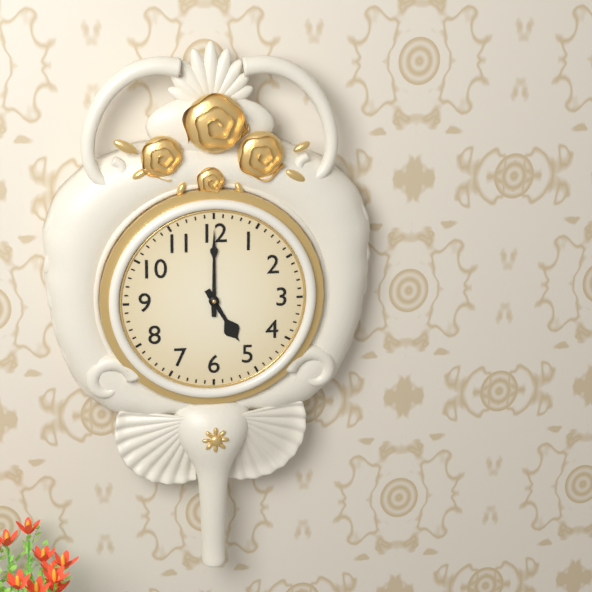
5:00
